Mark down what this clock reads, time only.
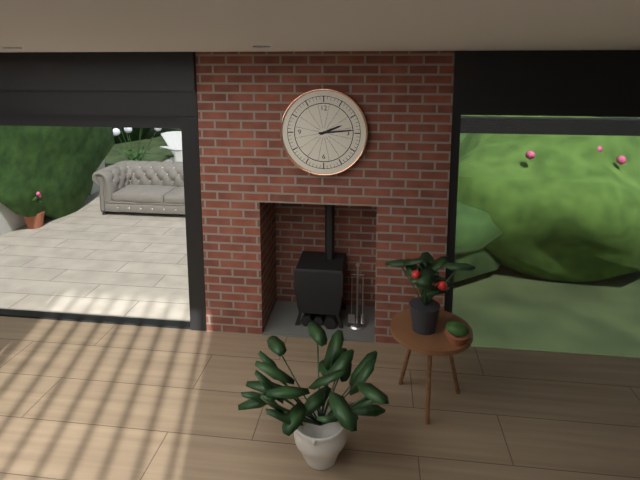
2:14
